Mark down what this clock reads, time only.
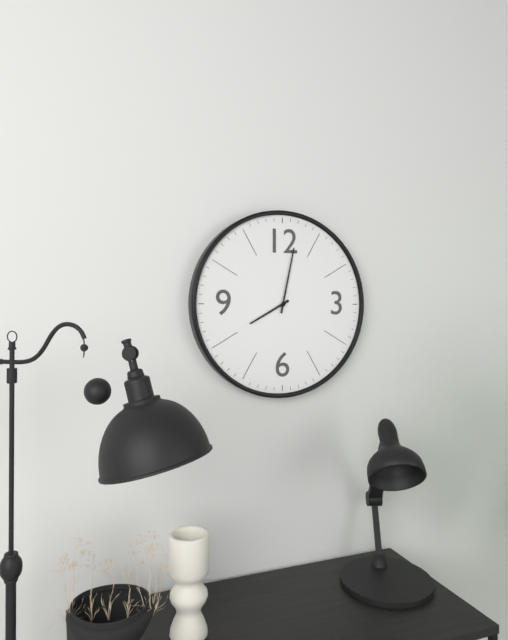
8:02
